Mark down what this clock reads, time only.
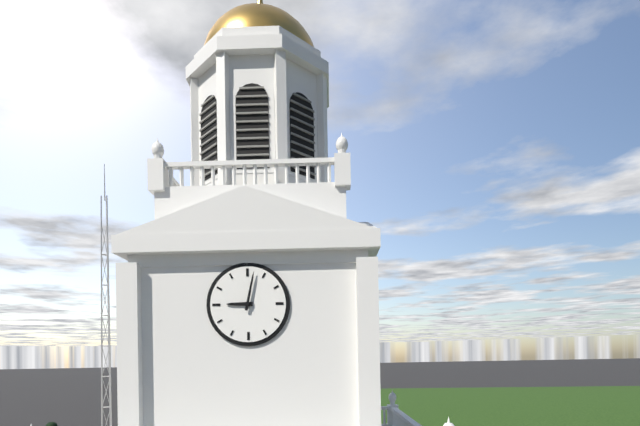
9:02
